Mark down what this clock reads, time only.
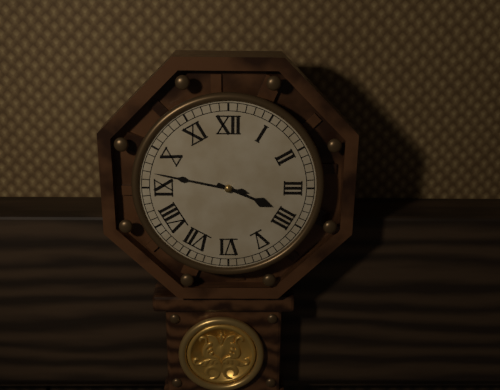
3:47
